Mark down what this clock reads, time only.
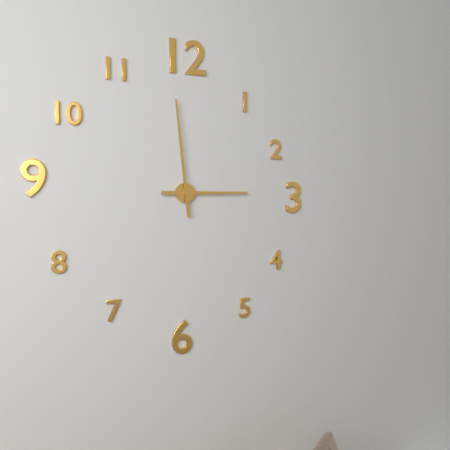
2:59
